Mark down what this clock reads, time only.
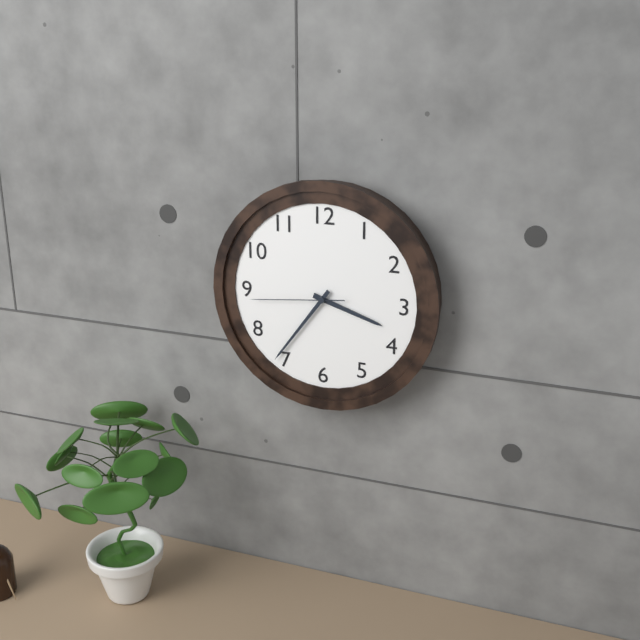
3:36:44
